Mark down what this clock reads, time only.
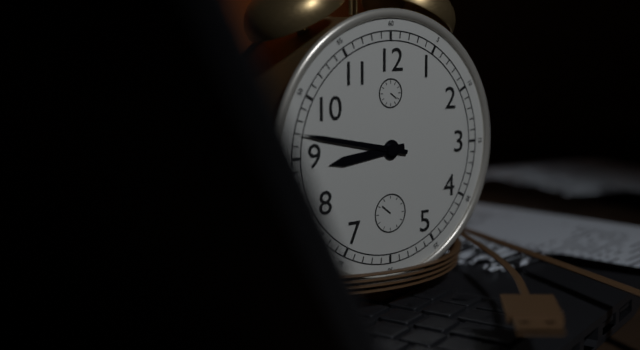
8:47
